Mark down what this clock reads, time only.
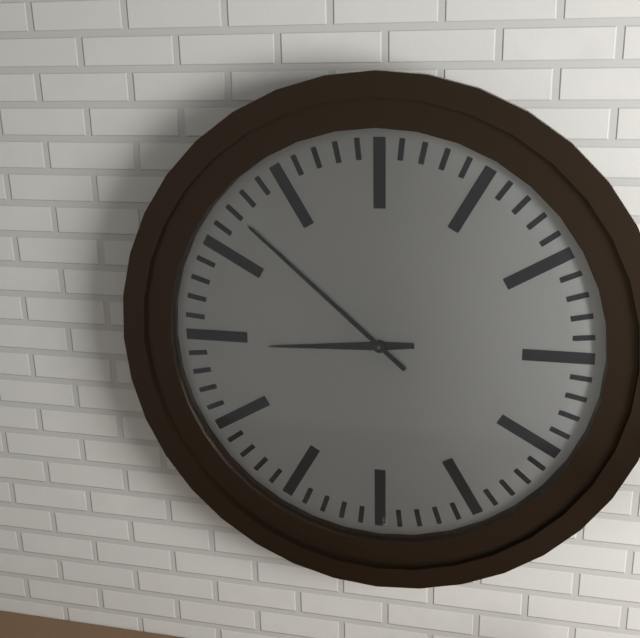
8:52
